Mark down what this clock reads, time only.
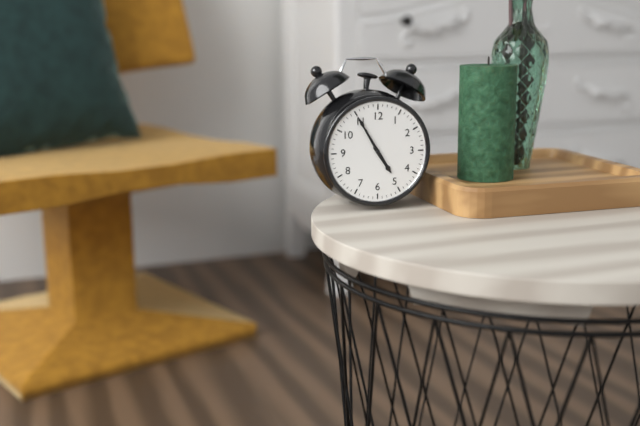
4:55
